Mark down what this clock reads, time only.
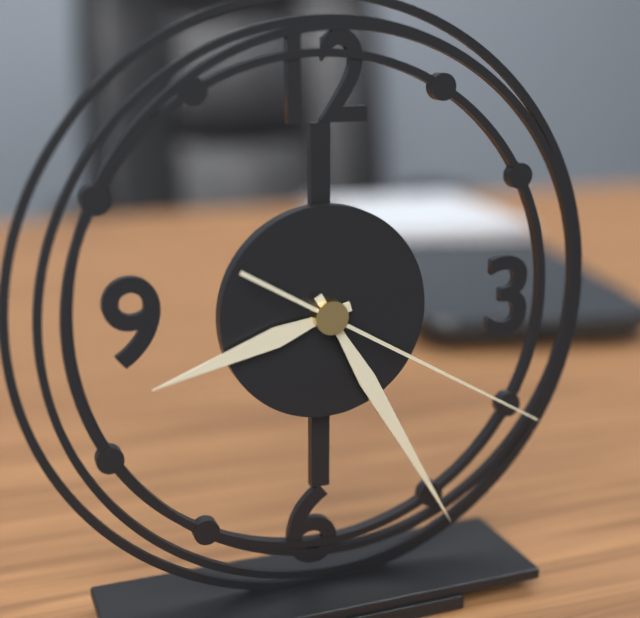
8:25:20
